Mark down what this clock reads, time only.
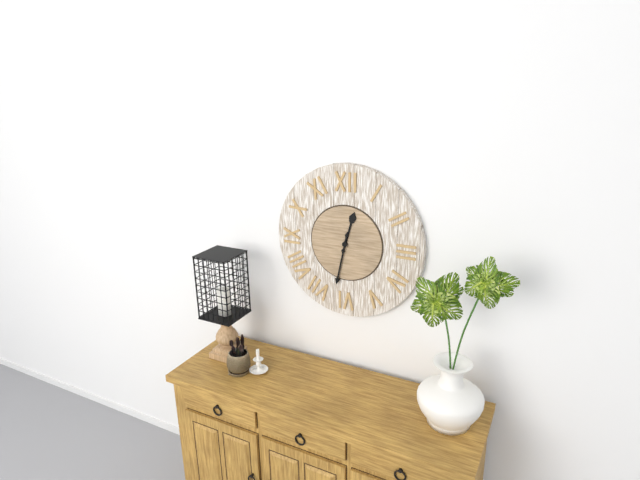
12:32
